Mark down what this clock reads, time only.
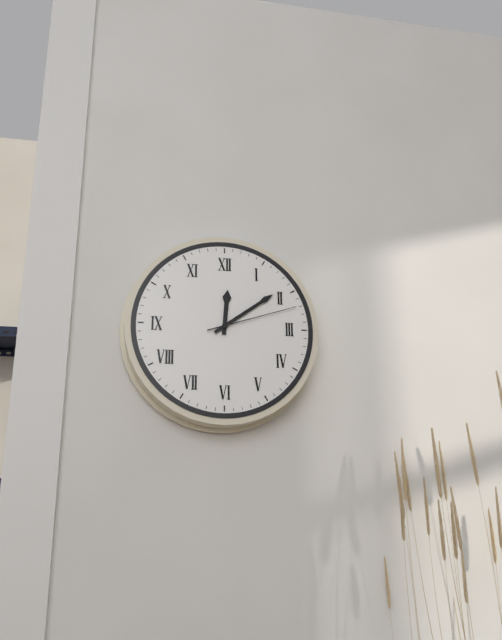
12:09:12
